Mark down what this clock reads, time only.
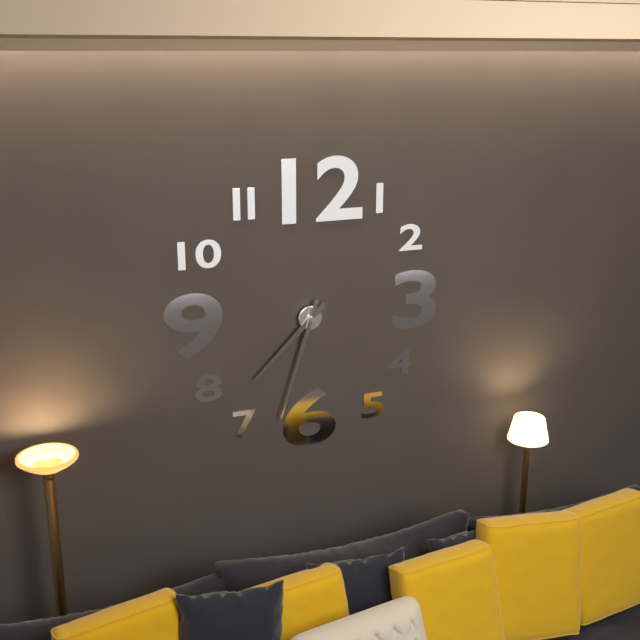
7:33
